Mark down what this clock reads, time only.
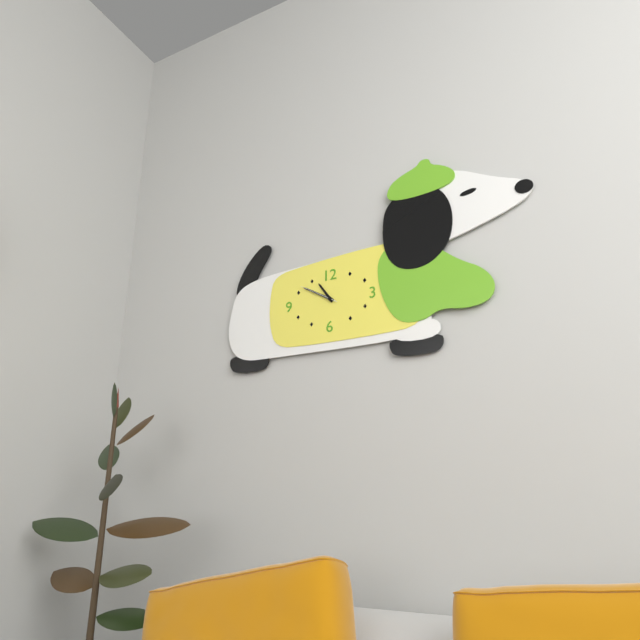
10:50
